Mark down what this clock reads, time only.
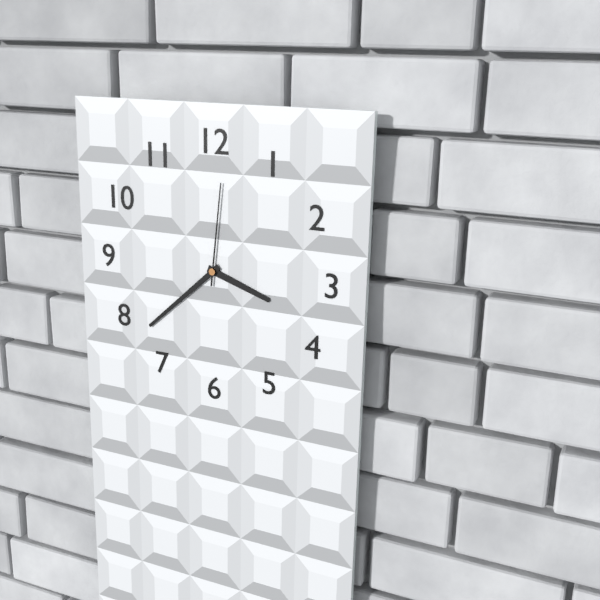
3:38:01
